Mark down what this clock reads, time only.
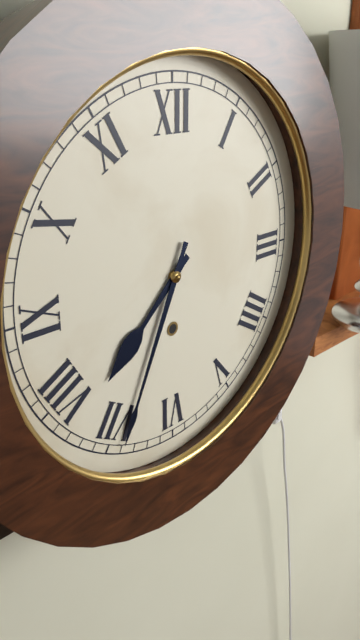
7:34
